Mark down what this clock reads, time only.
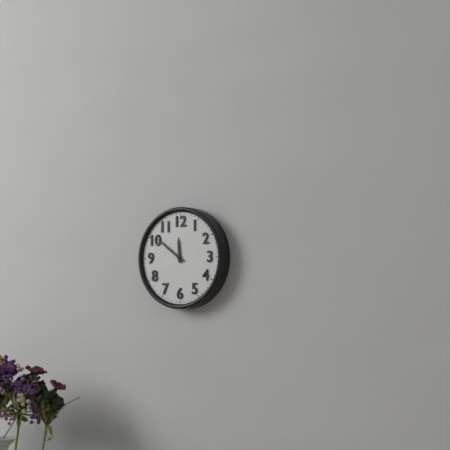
11:51
